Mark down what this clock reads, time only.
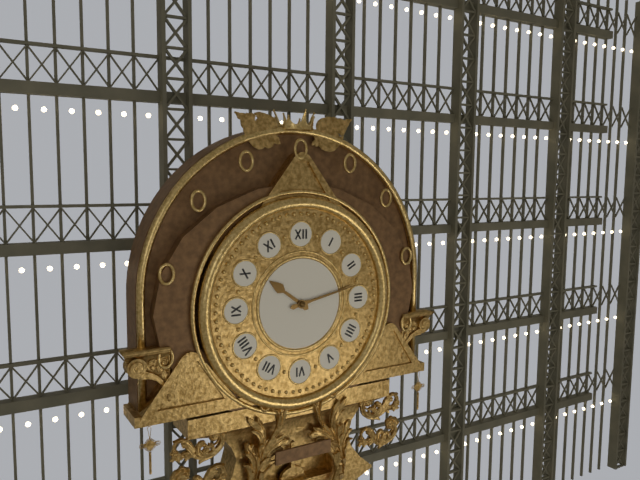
10:13
